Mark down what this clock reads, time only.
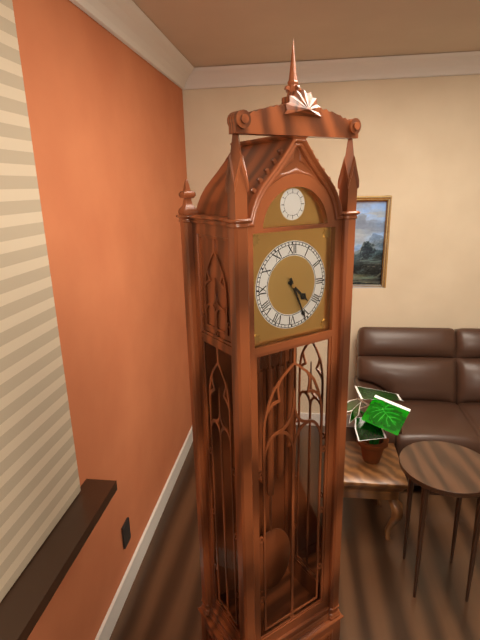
4:26
